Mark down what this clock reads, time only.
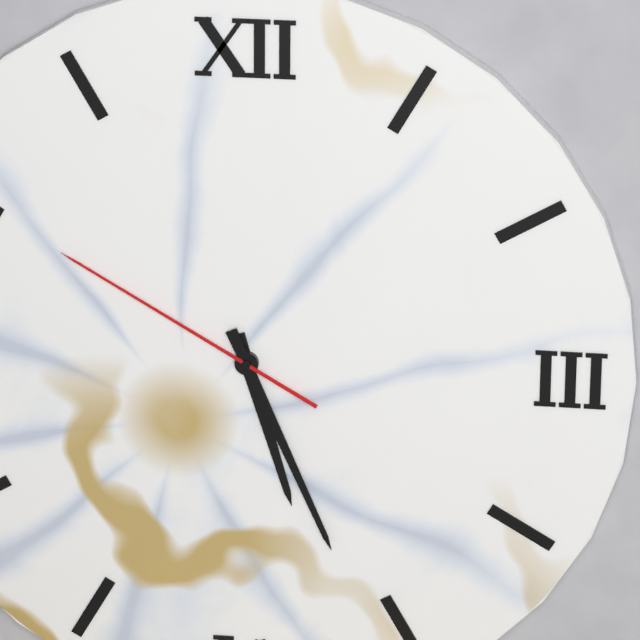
5:26:50
